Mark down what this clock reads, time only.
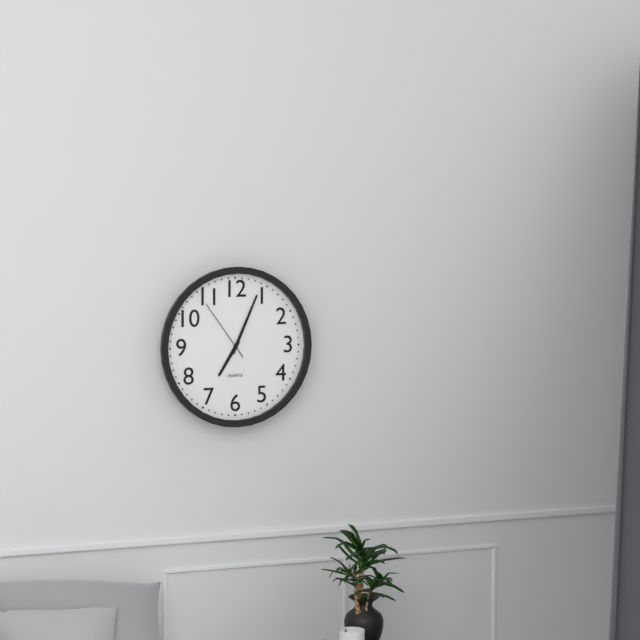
7:04:54
